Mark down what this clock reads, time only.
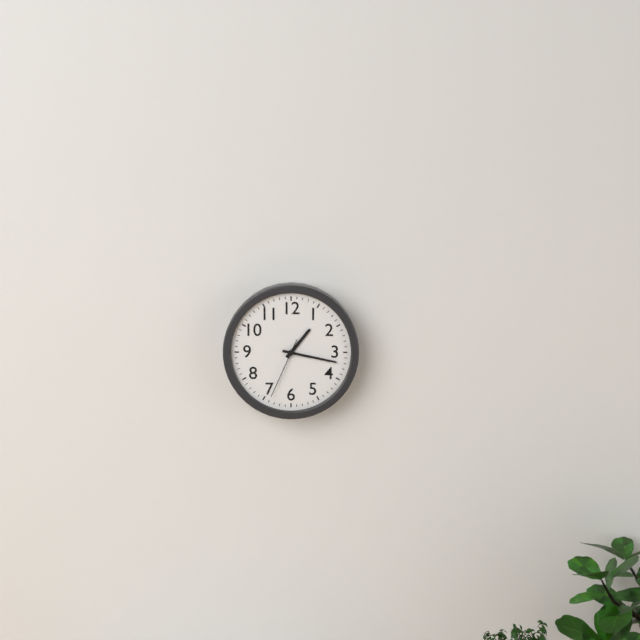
1:17:34
